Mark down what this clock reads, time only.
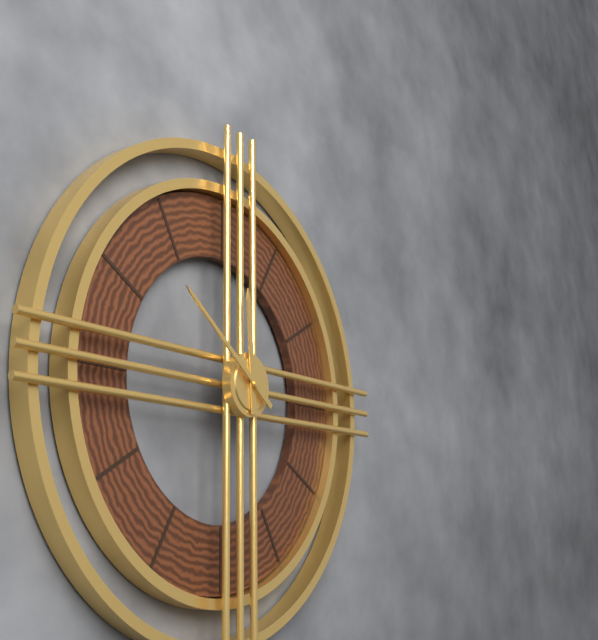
11:51
